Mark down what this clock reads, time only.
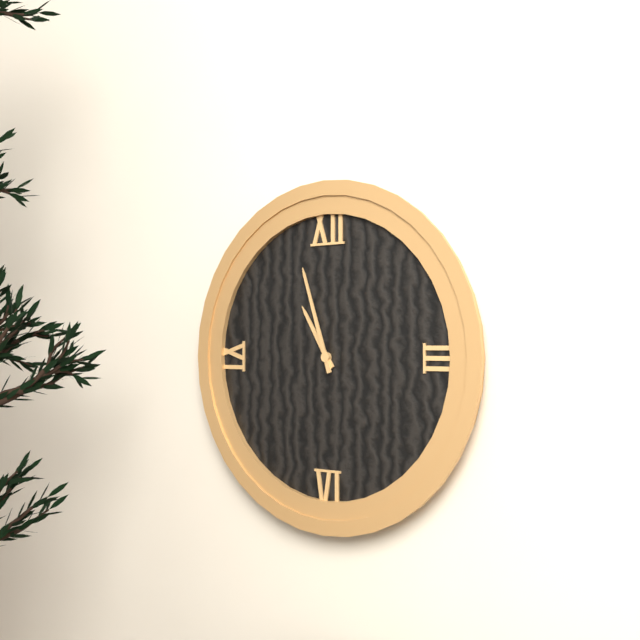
10:57
